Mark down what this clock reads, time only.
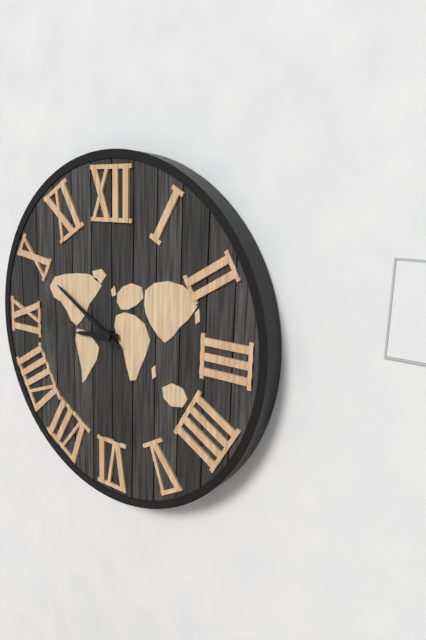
8:50
